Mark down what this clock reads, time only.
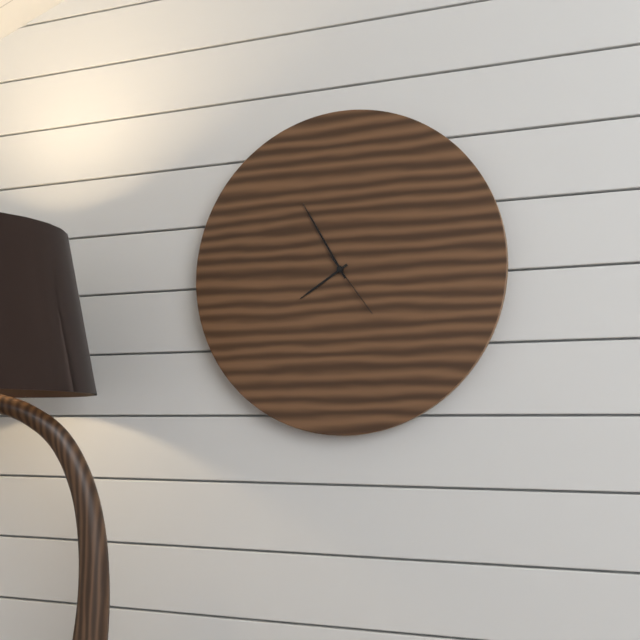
7:55:24
